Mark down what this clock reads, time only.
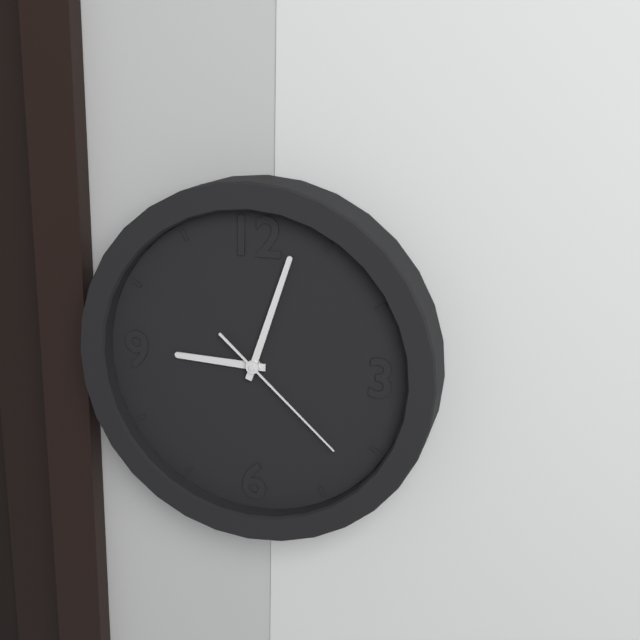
9:03:22
